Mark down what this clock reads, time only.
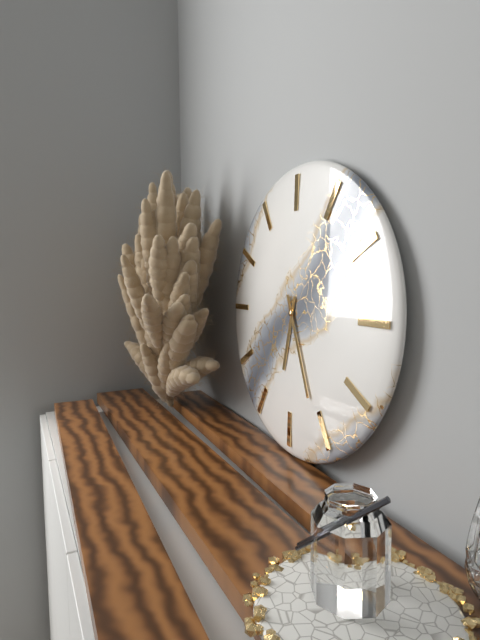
6:26
